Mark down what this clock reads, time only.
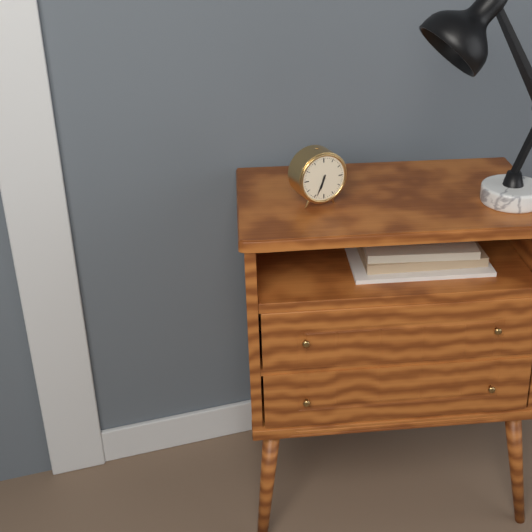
6:34
